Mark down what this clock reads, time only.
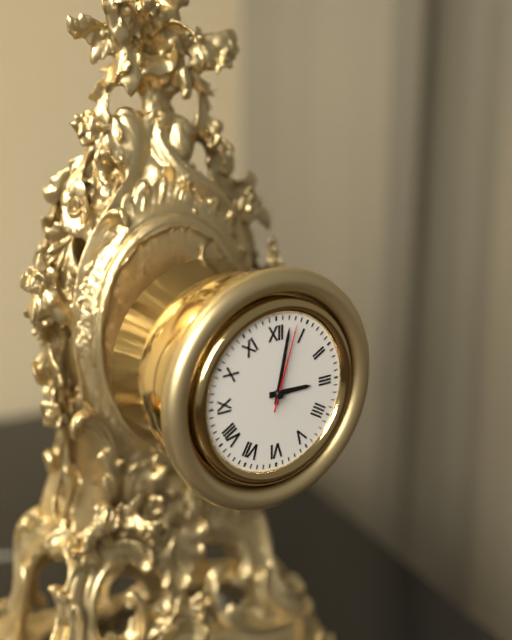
3:02:03
